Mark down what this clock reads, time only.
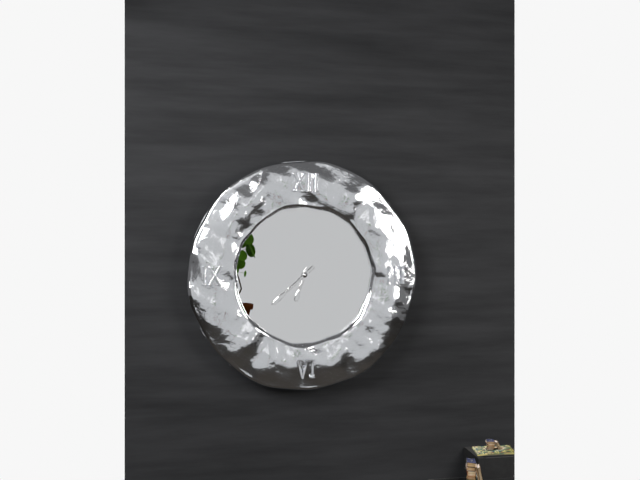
6:38
